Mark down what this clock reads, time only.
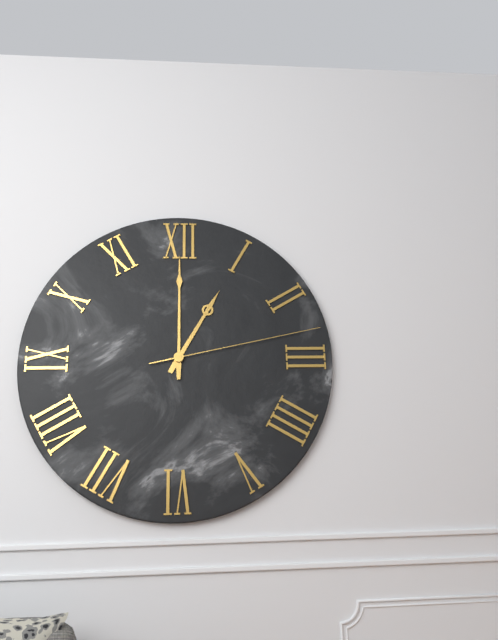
1:00:13
